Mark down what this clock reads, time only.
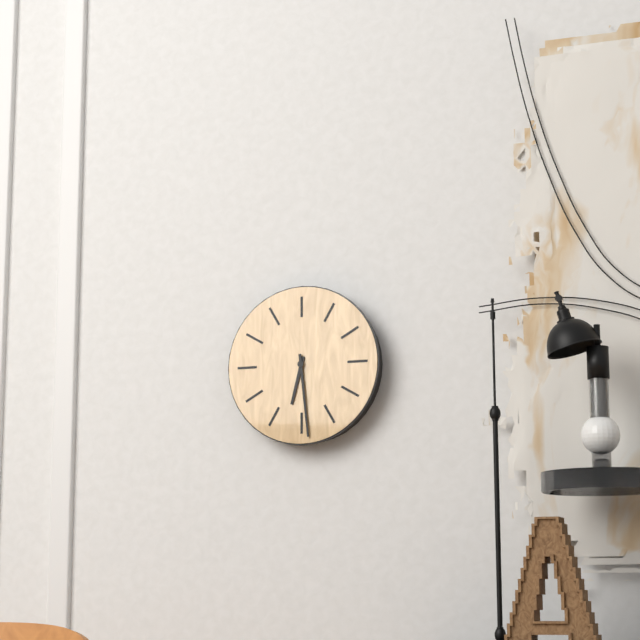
6:29
